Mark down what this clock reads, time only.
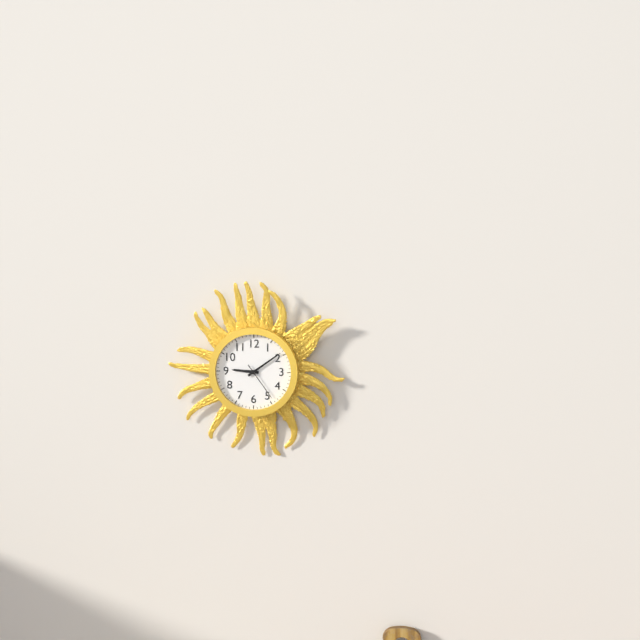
9:09
